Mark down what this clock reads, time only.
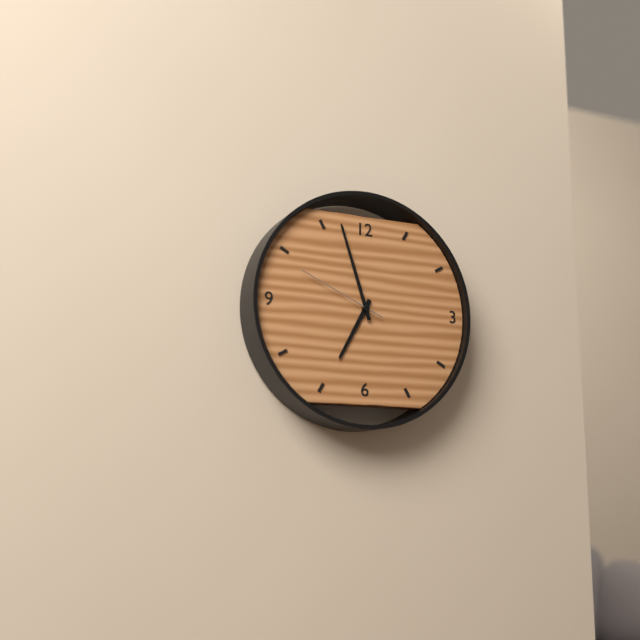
6:57:49
